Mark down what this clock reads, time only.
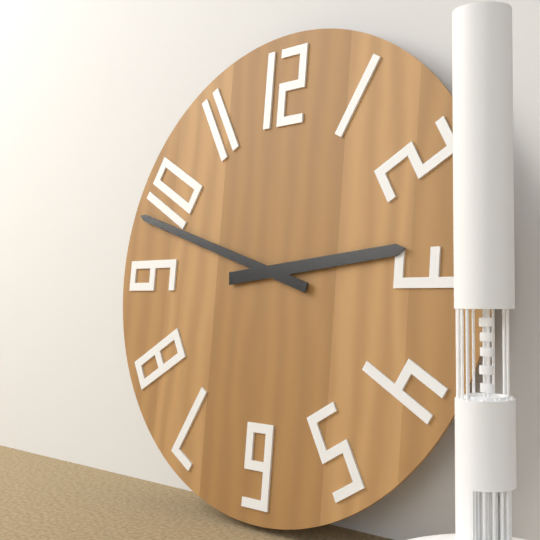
2:48
